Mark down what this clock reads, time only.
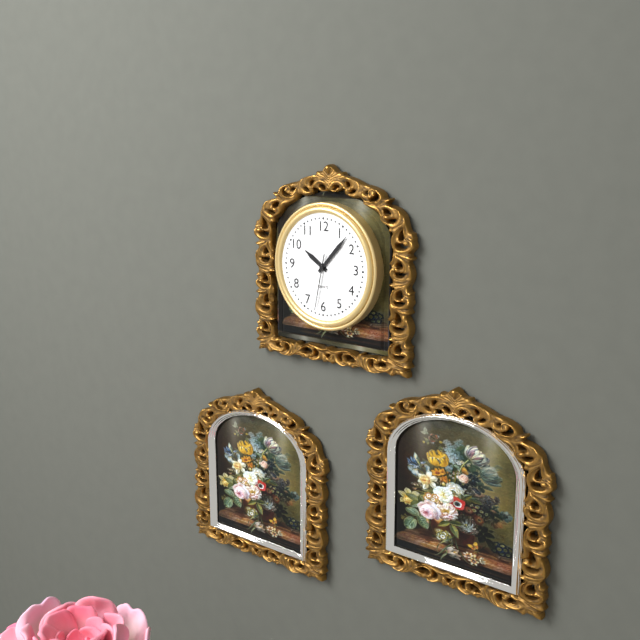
10:07:32
